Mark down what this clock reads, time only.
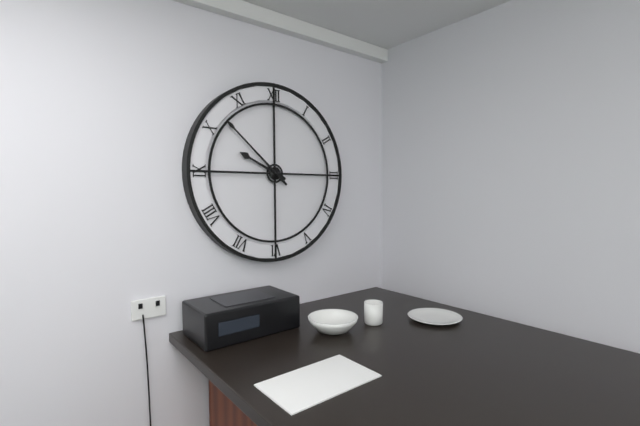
9:52
